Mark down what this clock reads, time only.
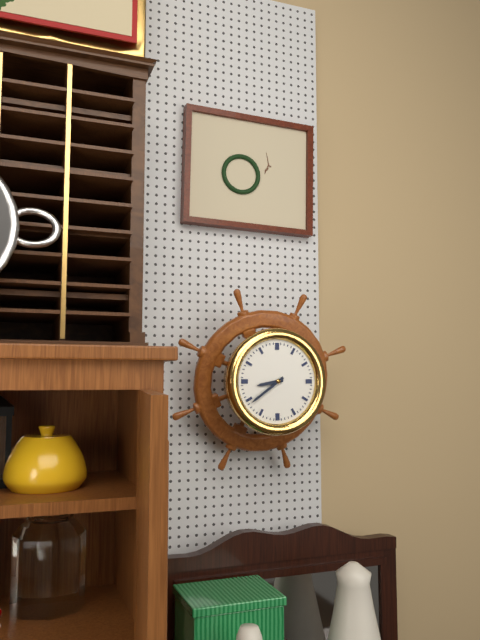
8:39
